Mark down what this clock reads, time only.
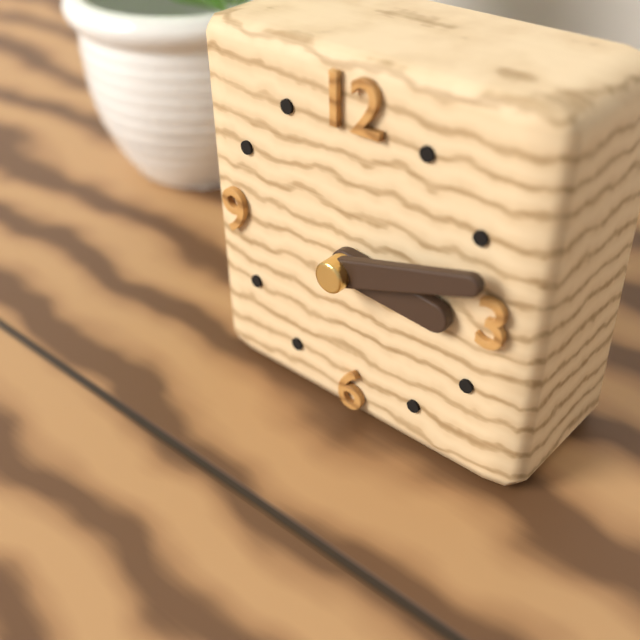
3:12
